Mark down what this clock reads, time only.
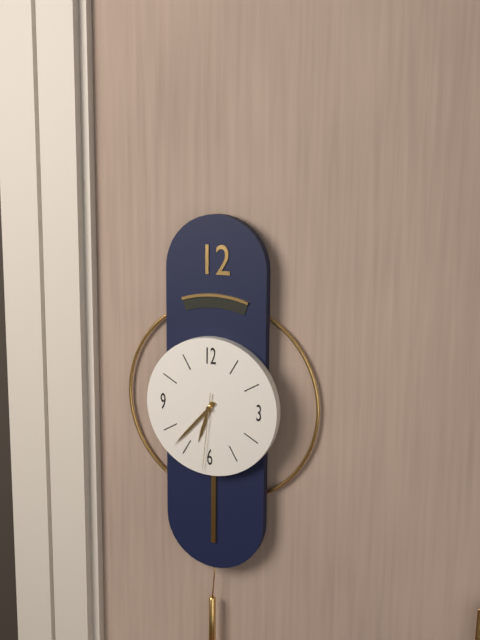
6:37:31
